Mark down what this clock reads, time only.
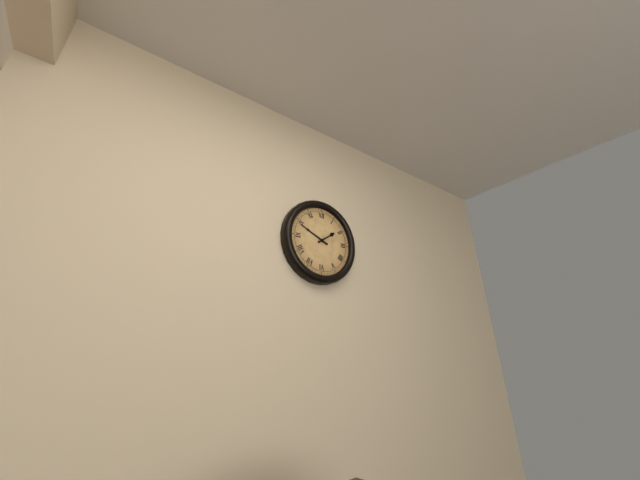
1:49
